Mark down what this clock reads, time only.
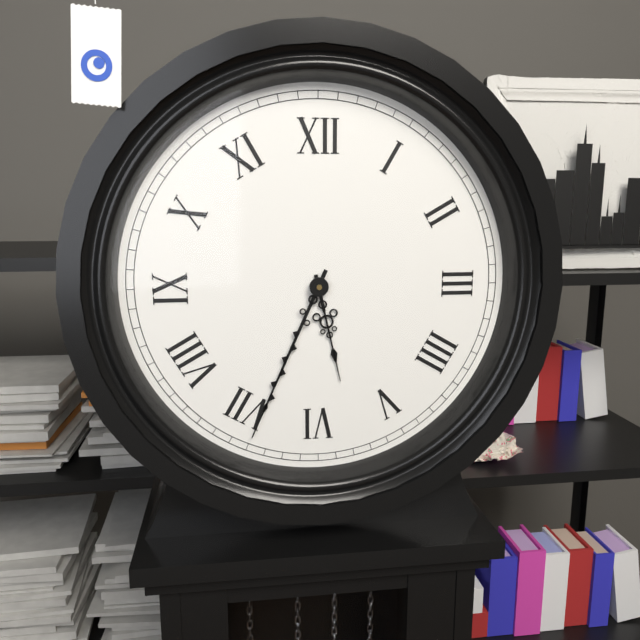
5:34
